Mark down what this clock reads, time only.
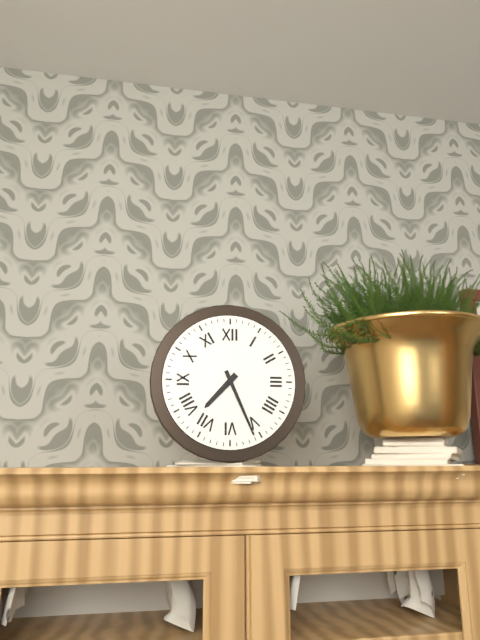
7:26
